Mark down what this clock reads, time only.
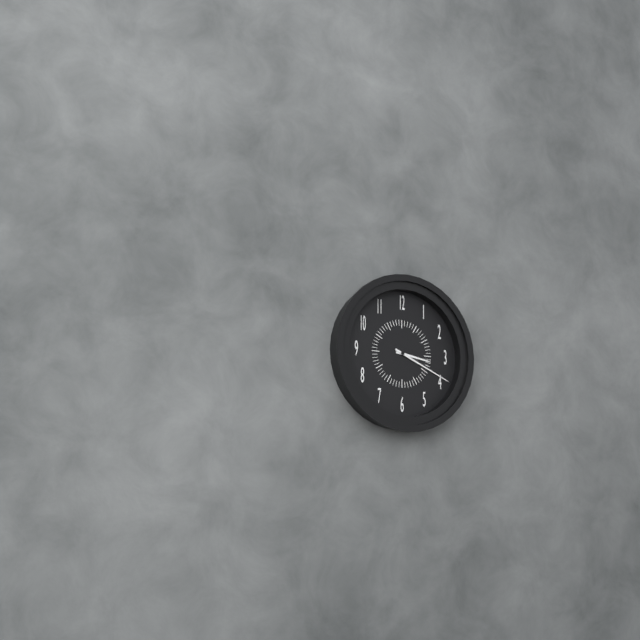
3:19
